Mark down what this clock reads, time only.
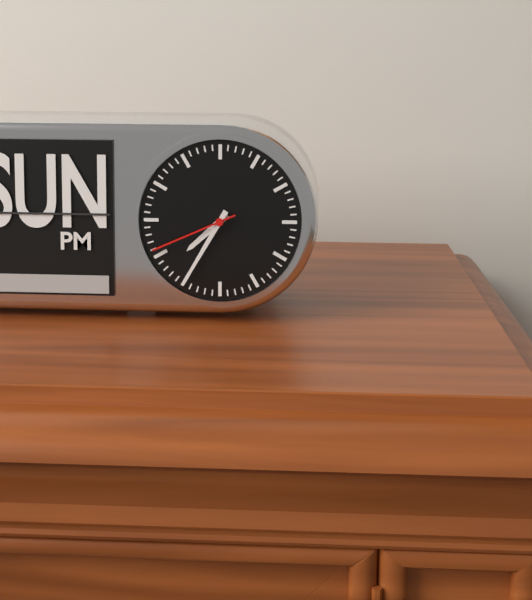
7:35:41
